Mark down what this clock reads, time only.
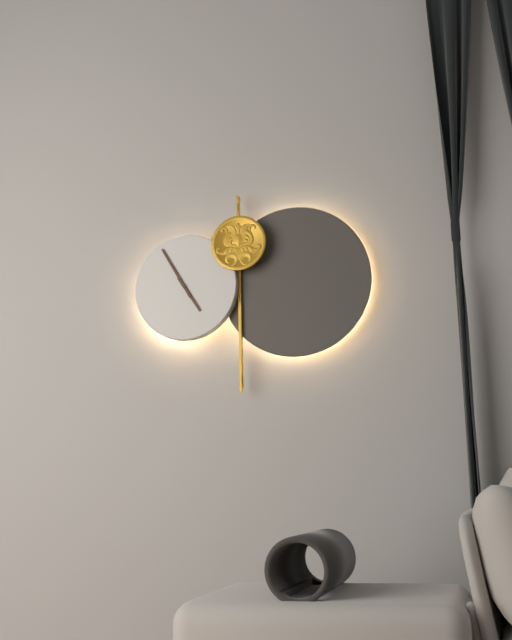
4:55
